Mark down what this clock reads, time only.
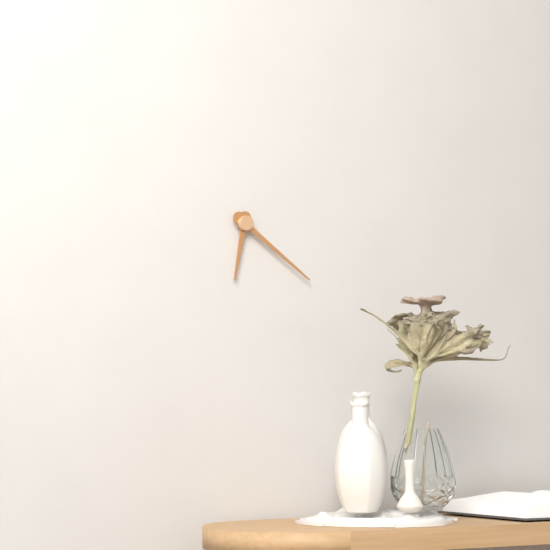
6:21
